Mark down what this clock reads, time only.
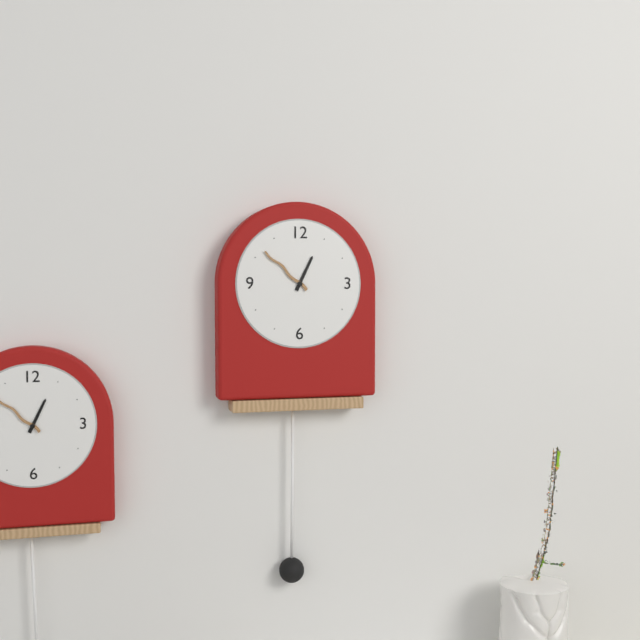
12:52
